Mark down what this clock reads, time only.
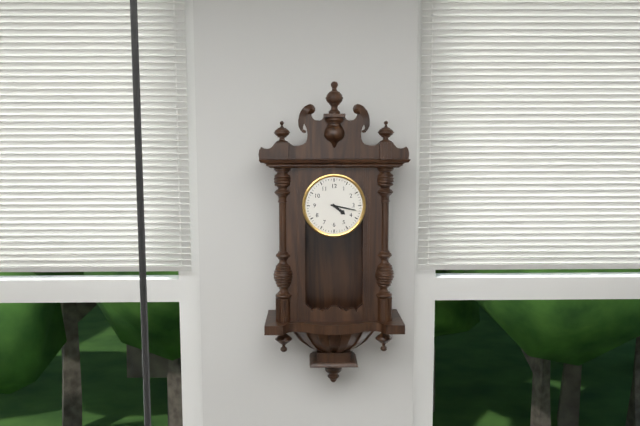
4:17
